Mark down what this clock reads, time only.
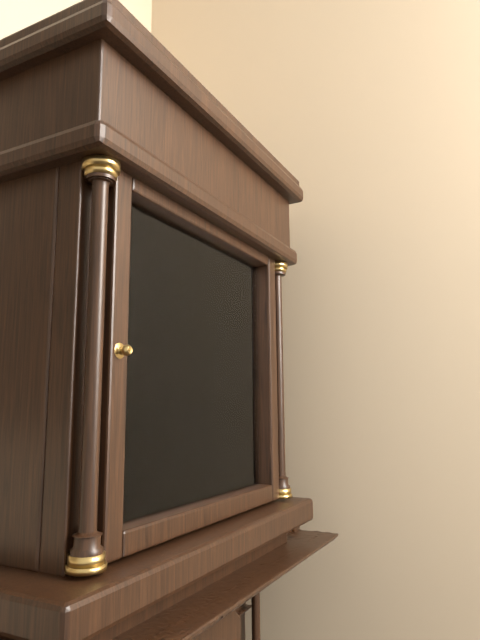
4:50
